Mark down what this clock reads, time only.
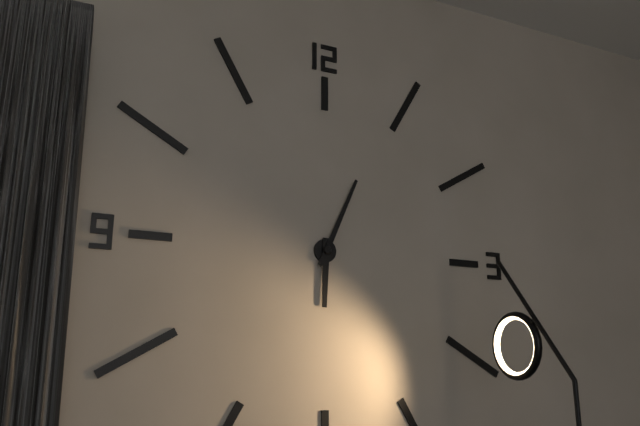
6:04
